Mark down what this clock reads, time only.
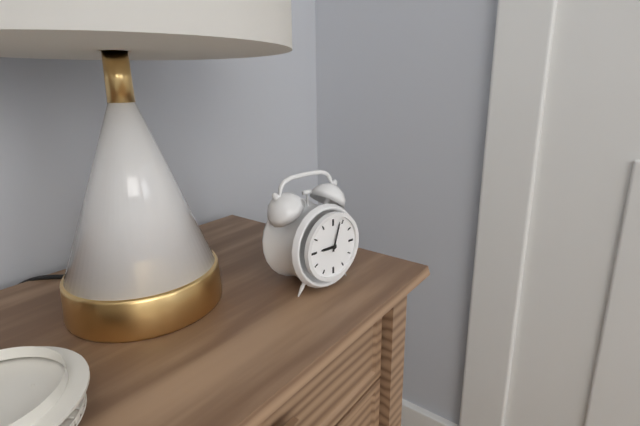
9:03
